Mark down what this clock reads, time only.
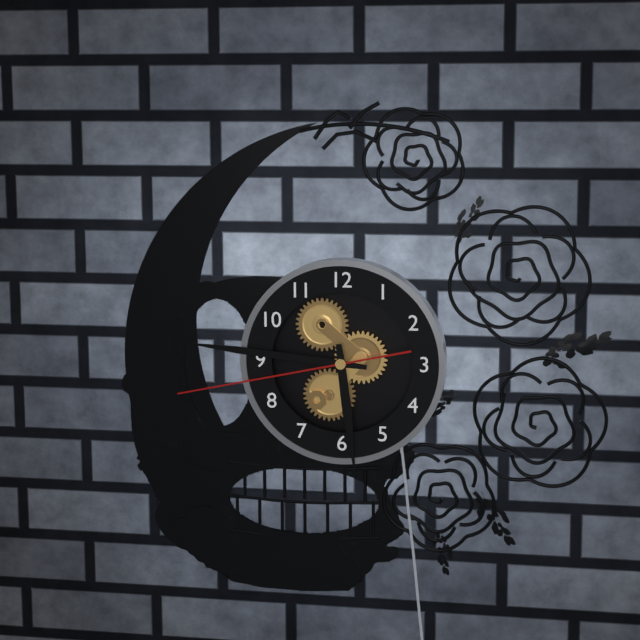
5:46:43
